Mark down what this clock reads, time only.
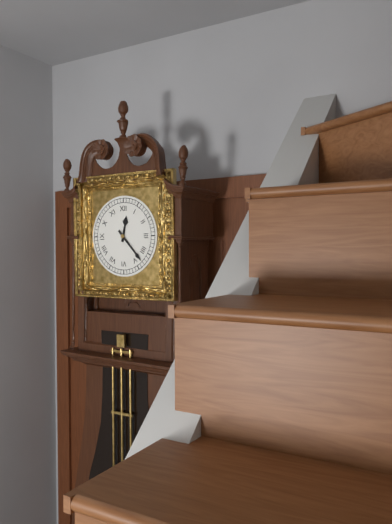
12:23
